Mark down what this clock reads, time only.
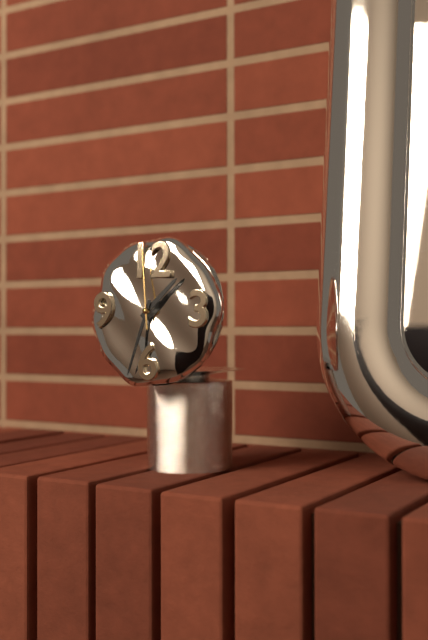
1:33:59
